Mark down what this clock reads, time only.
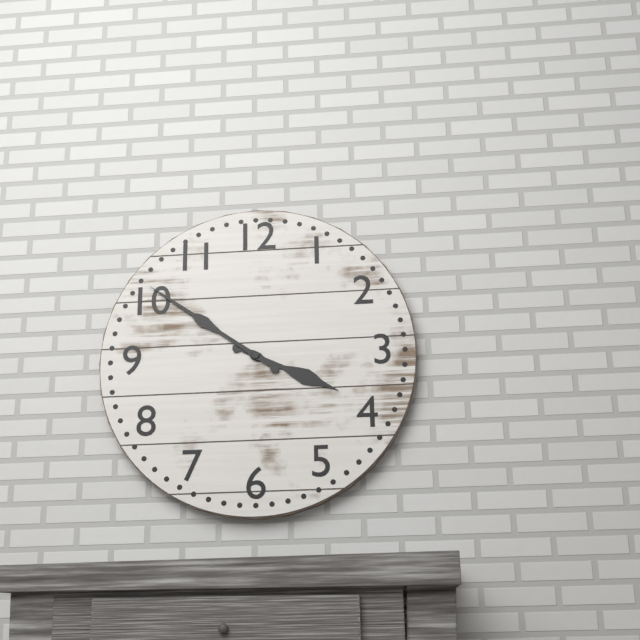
3:51
